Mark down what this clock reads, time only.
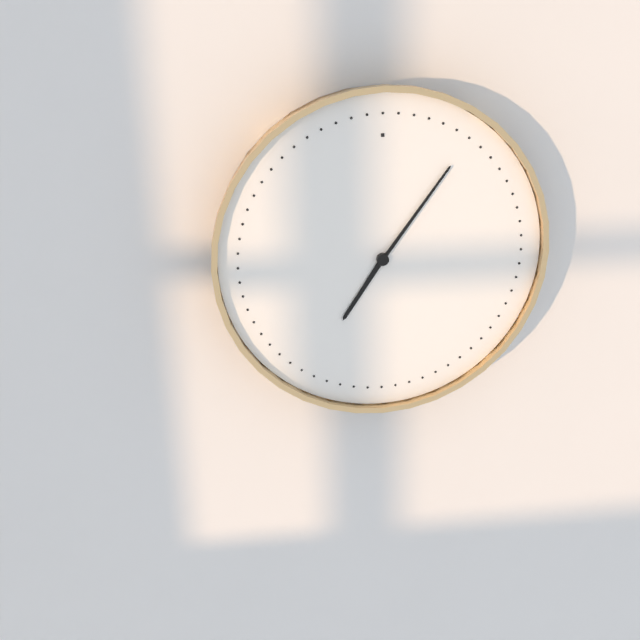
7:06
